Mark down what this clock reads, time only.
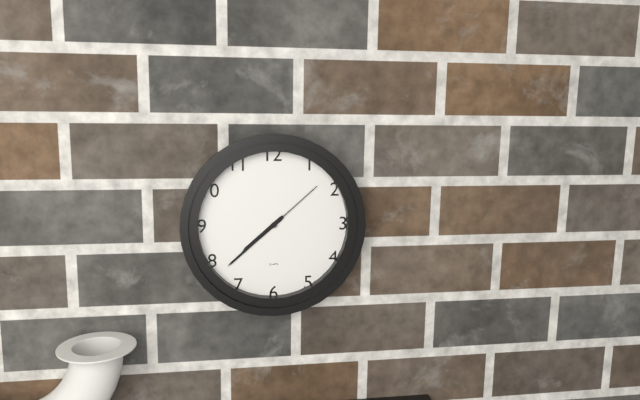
7:38:08
